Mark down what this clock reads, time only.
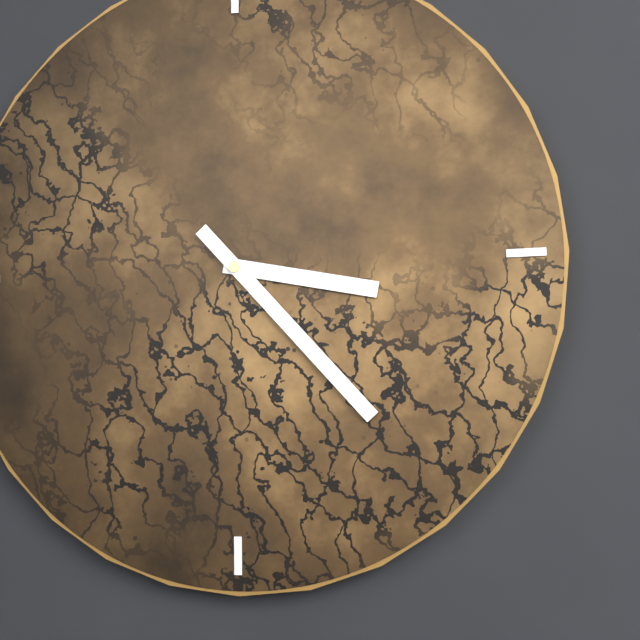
3:23
